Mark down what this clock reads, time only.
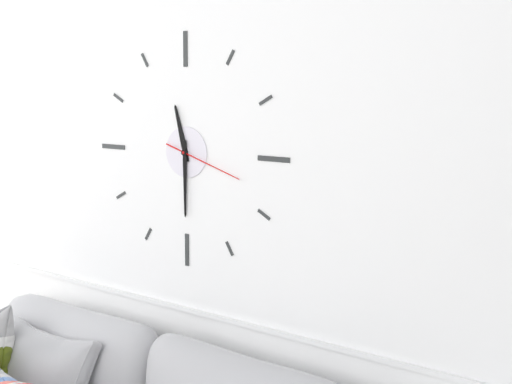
11:30:18
